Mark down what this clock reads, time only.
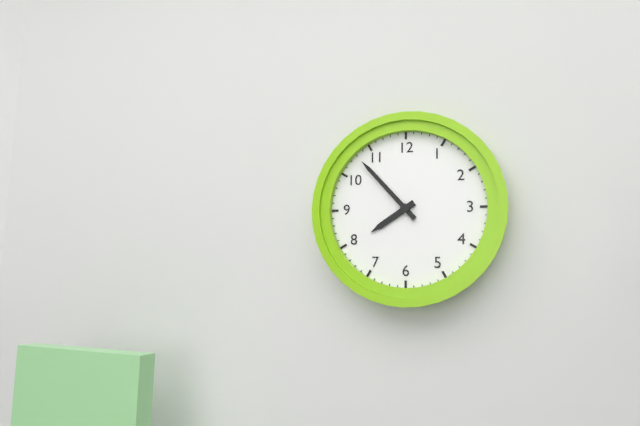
7:53
